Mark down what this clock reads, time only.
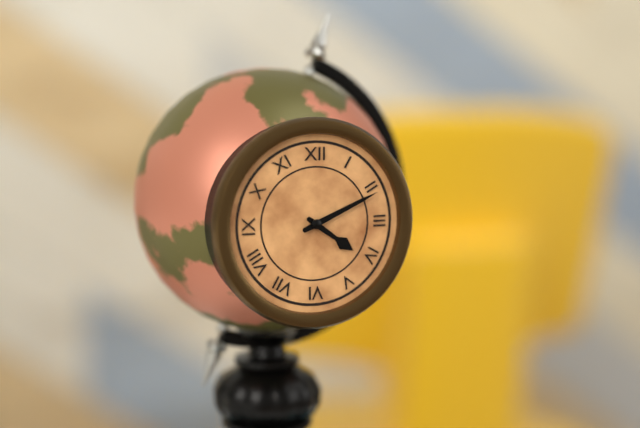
4:11
